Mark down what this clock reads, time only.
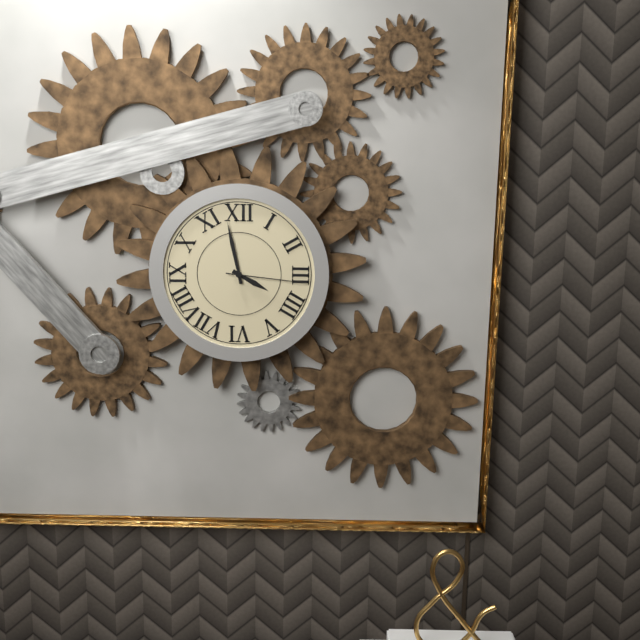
3:58:16
